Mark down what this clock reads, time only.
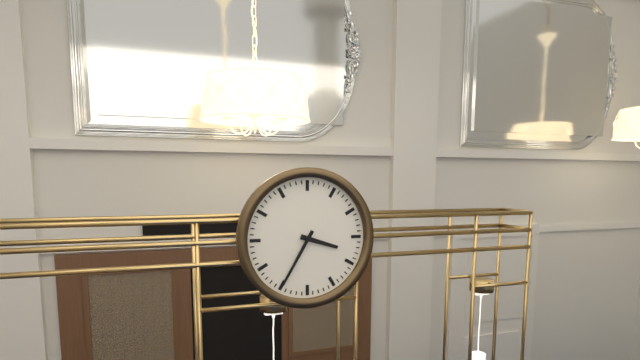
3:35
